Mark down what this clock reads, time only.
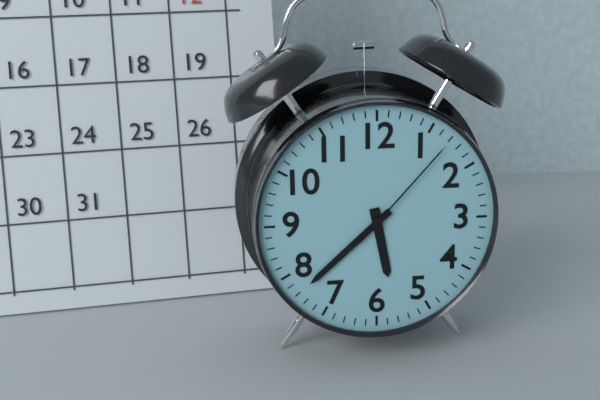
5:38:07
